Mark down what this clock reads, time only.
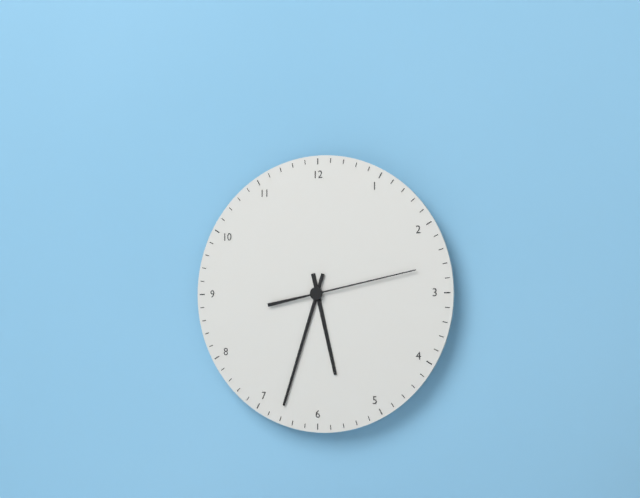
5:33:13
